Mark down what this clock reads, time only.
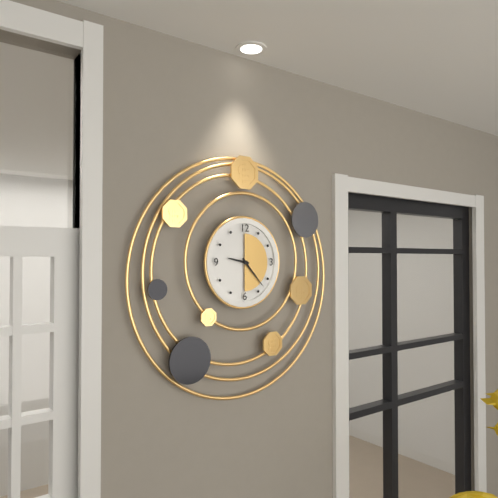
9:23
